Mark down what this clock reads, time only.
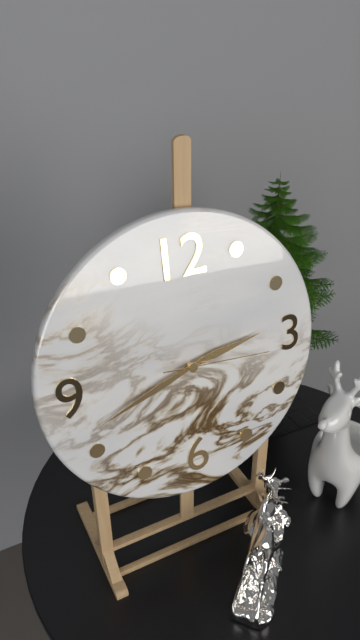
2:42:16
